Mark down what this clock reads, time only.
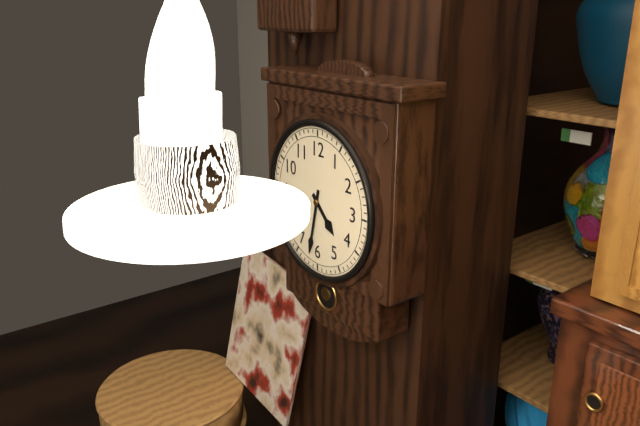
4:32
